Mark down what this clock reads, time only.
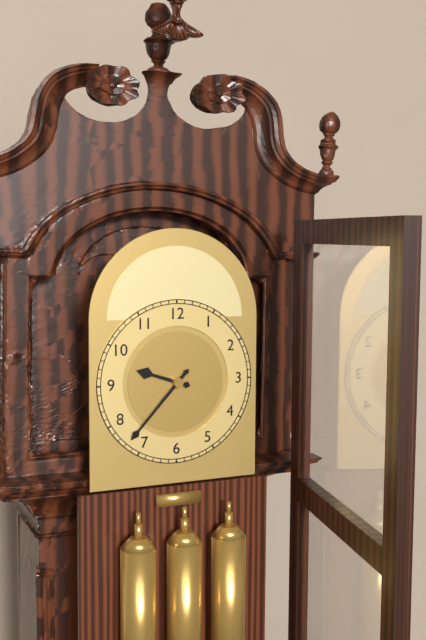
9:37
